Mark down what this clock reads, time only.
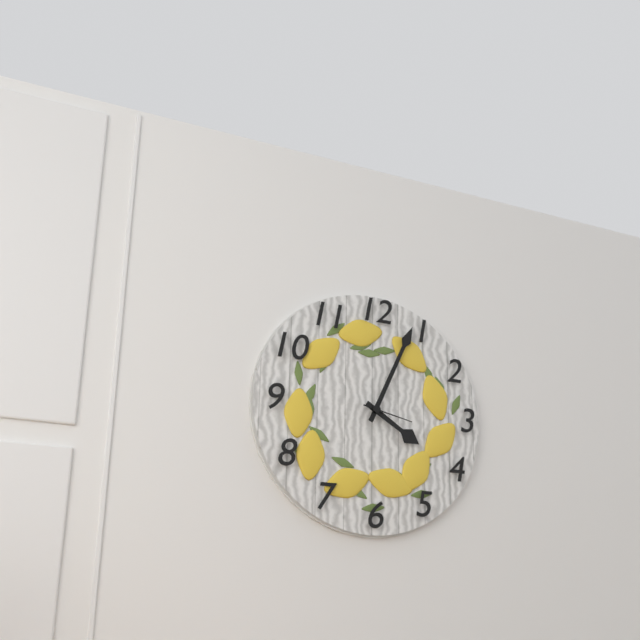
4:04
